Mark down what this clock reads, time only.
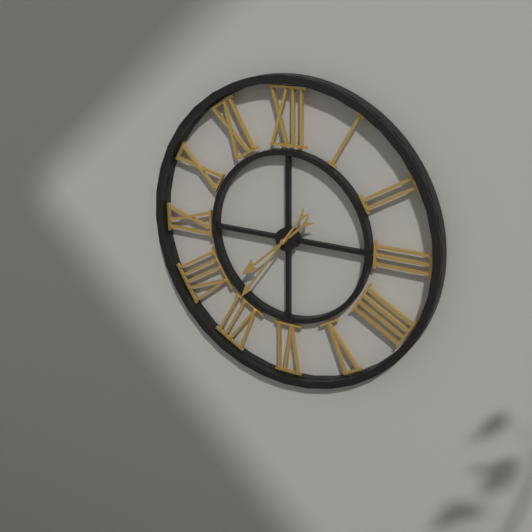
7:36
